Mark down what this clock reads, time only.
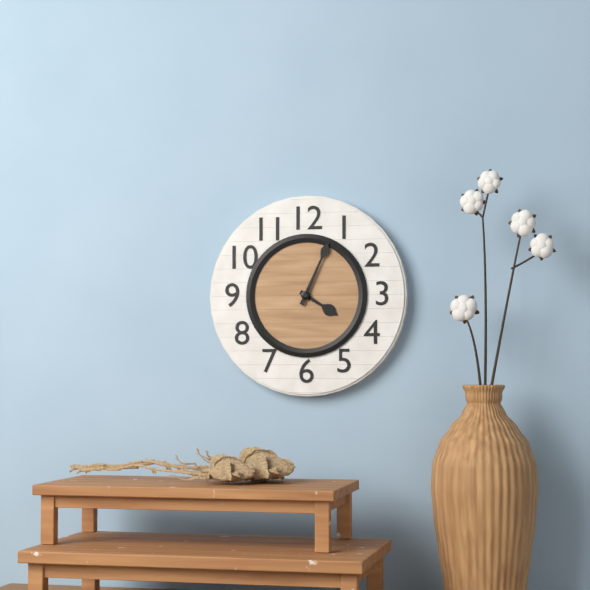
4:04
